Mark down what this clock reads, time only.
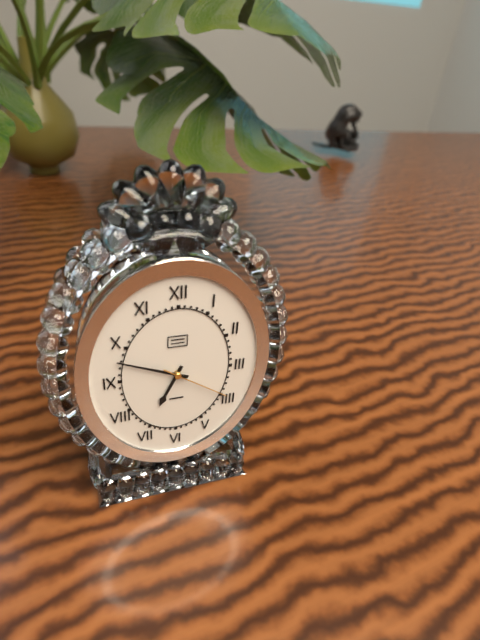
6:49:21
